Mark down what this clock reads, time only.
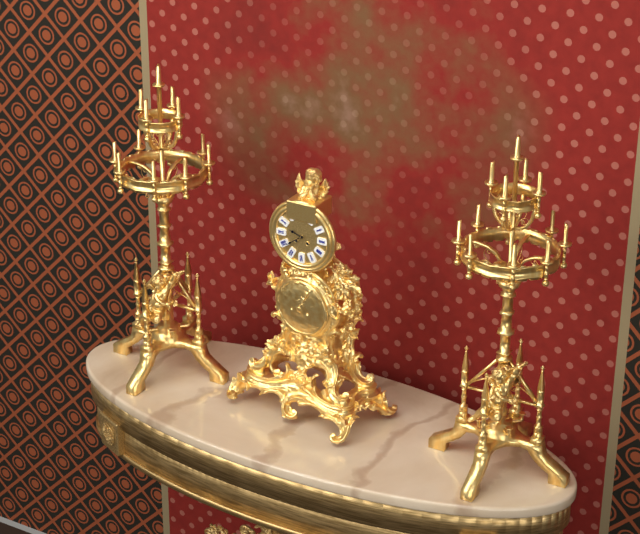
9:39
